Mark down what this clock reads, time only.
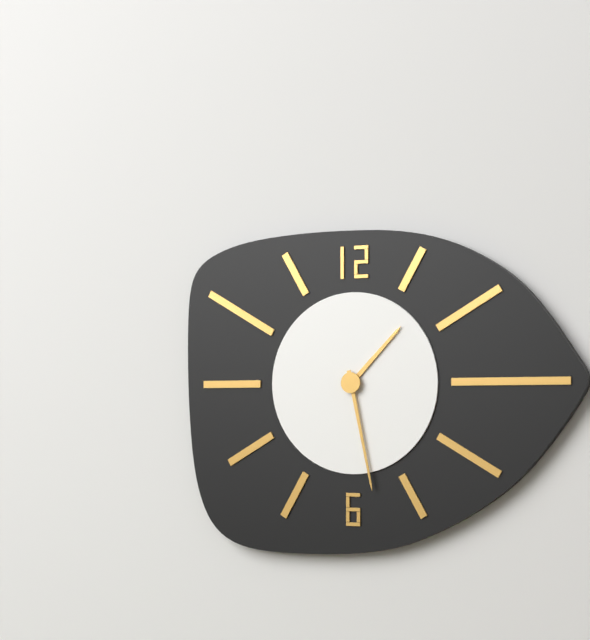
1:28
